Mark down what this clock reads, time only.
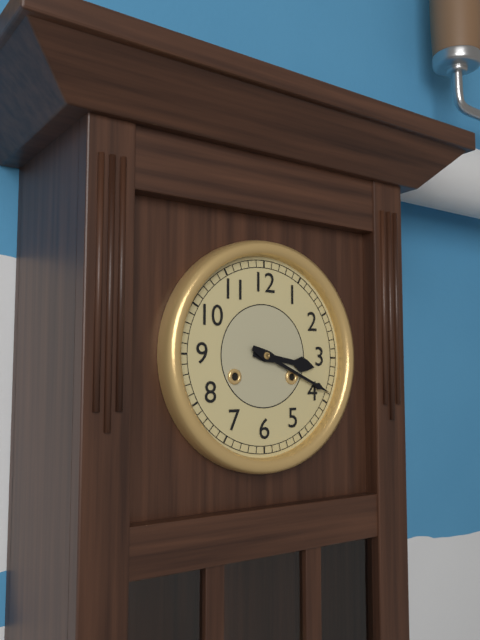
3:19
